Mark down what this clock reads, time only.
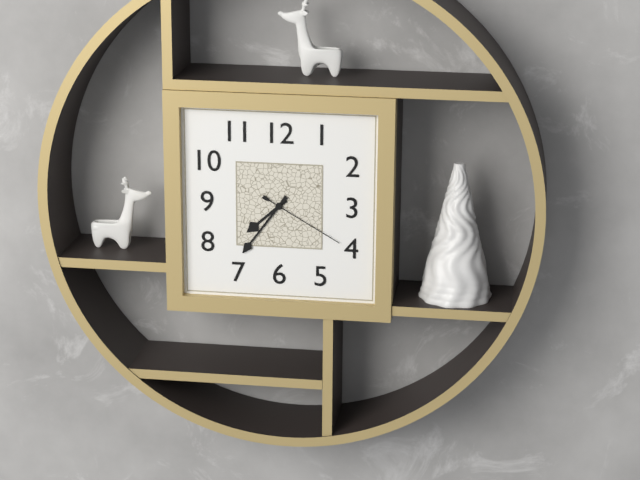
7:36:20
